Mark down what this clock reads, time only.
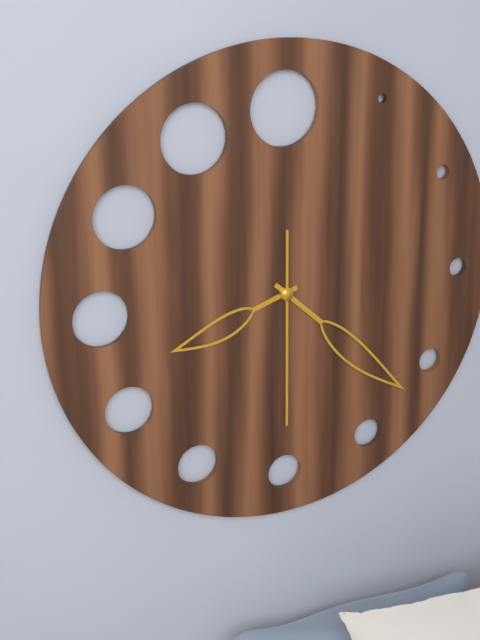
8:22:30
